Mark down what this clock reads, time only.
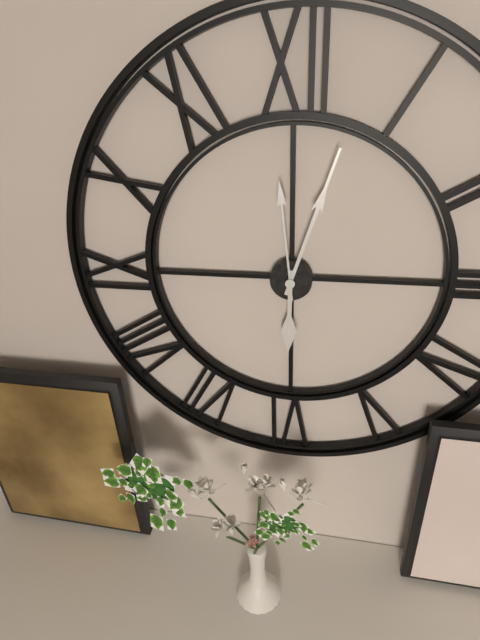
6:03:59
